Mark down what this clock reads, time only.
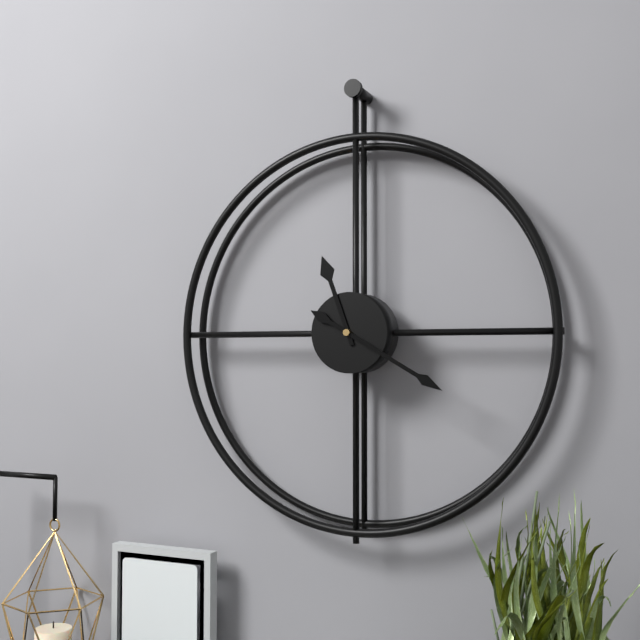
11:20
